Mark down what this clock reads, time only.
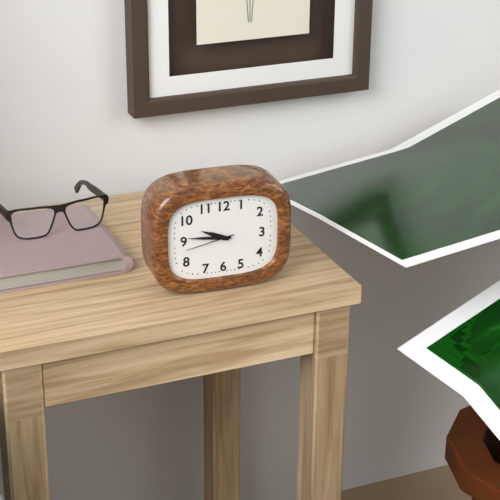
9:46
